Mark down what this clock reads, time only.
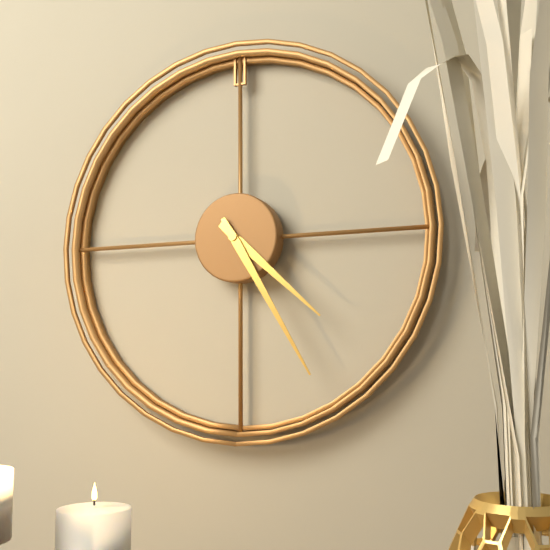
4:25
